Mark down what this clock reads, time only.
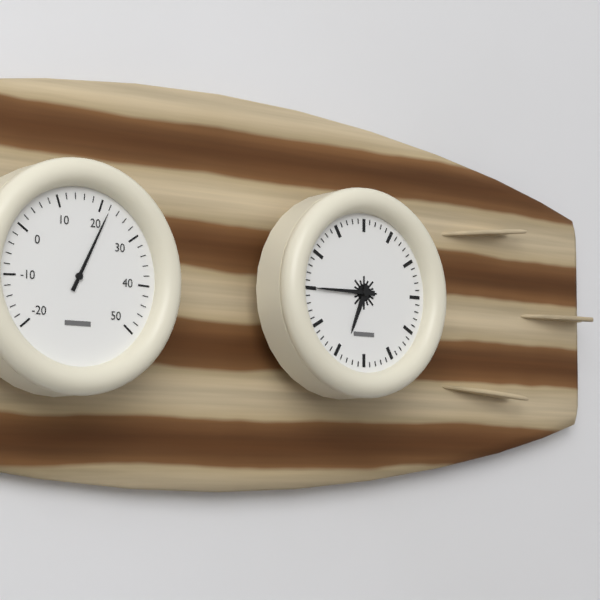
6:45
